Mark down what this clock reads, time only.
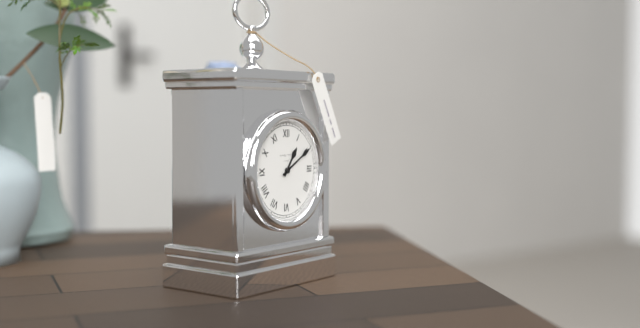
1:10
